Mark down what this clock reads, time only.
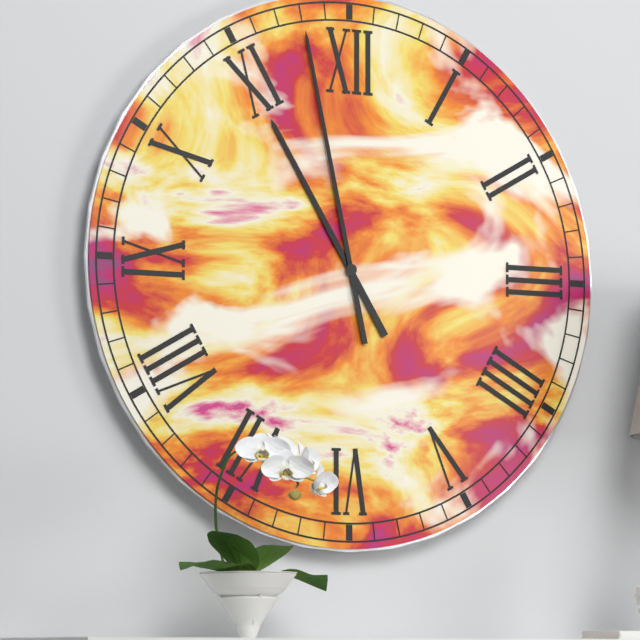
10:58
